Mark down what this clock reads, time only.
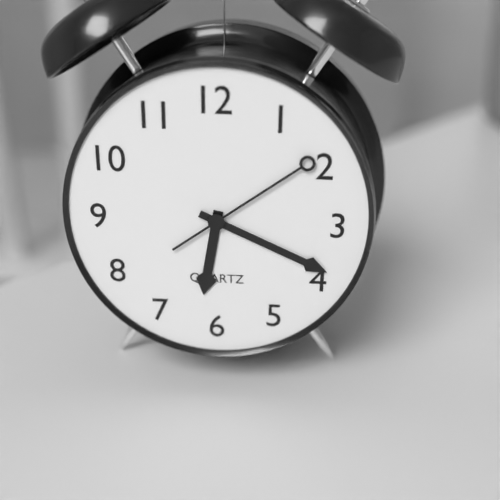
6:19:09
